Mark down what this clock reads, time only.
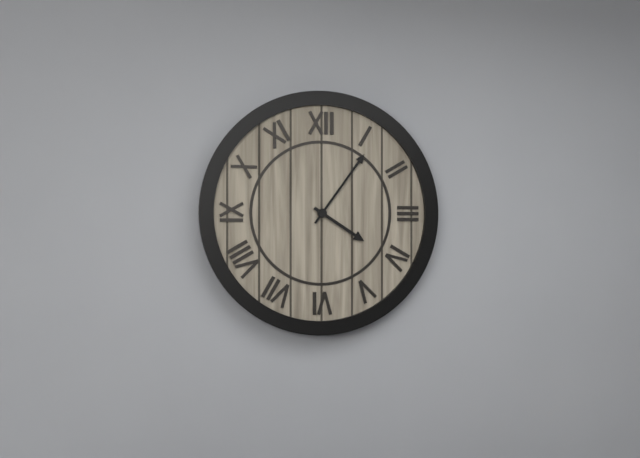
4:06
